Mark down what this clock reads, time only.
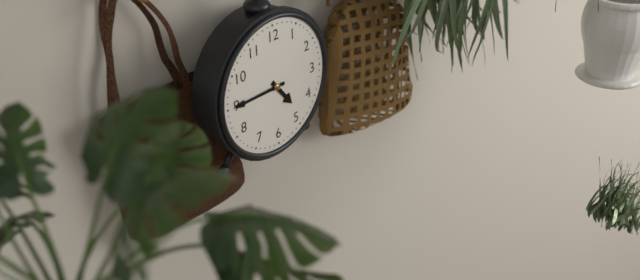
4:45
